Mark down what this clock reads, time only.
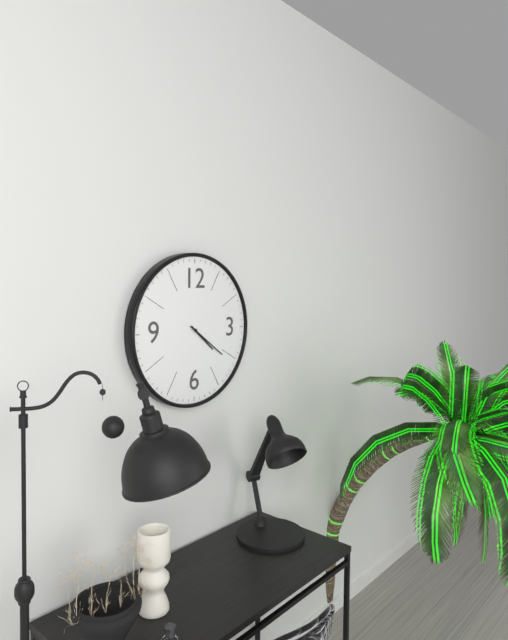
4:21
